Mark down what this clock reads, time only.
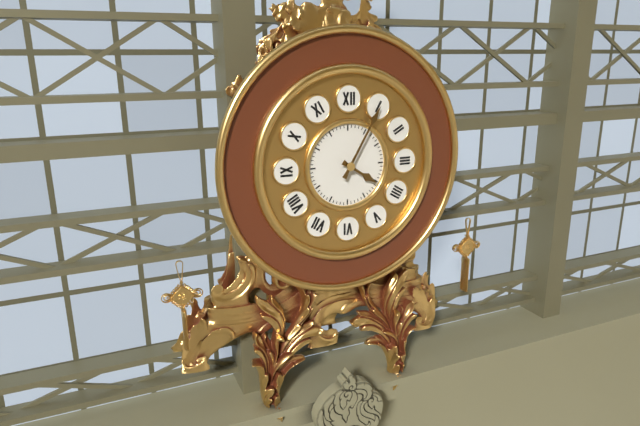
4:05
